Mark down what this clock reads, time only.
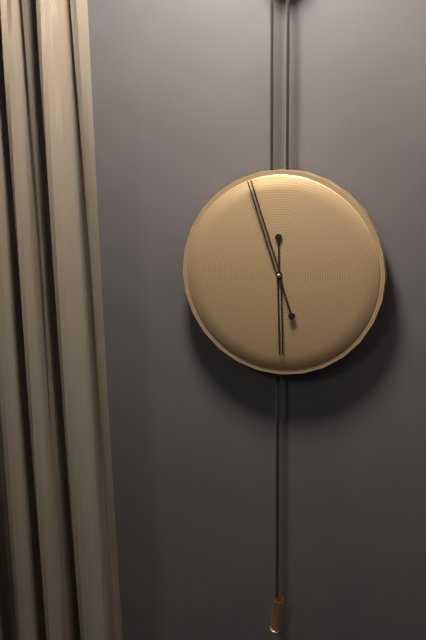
5:57
